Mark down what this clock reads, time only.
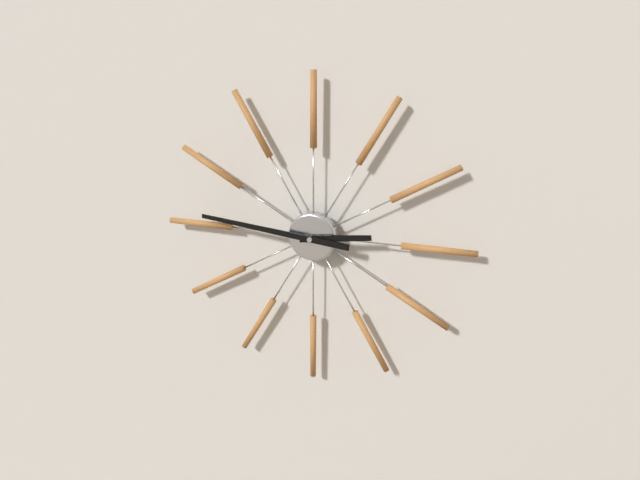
2:46
